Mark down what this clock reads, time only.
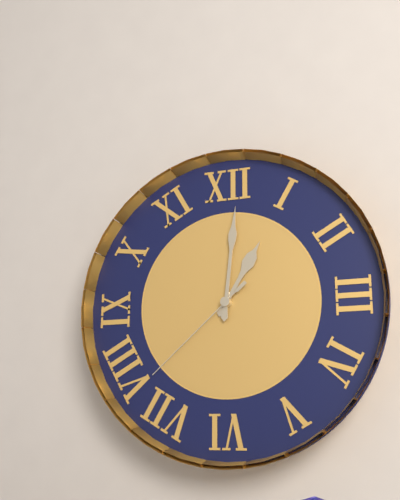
1:01:38
